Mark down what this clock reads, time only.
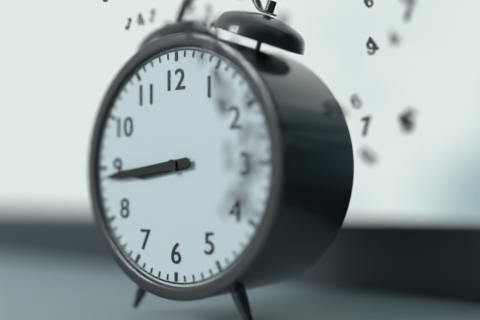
8:44
